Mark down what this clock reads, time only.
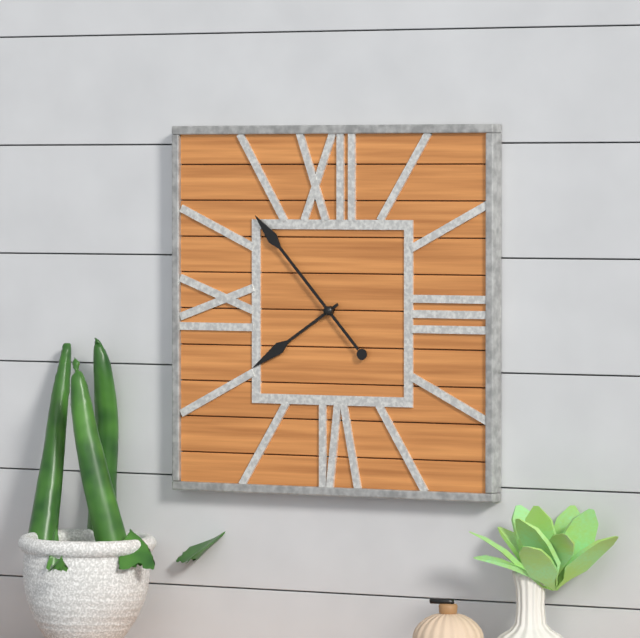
7:53
